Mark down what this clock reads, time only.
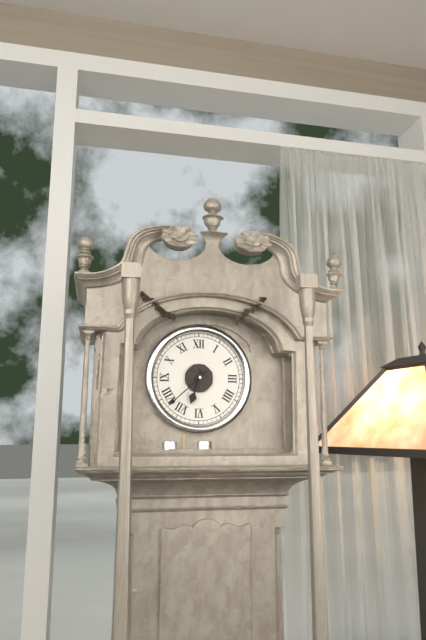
6:38
